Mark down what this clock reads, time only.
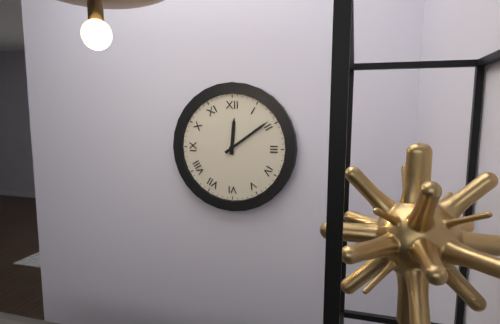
12:09
